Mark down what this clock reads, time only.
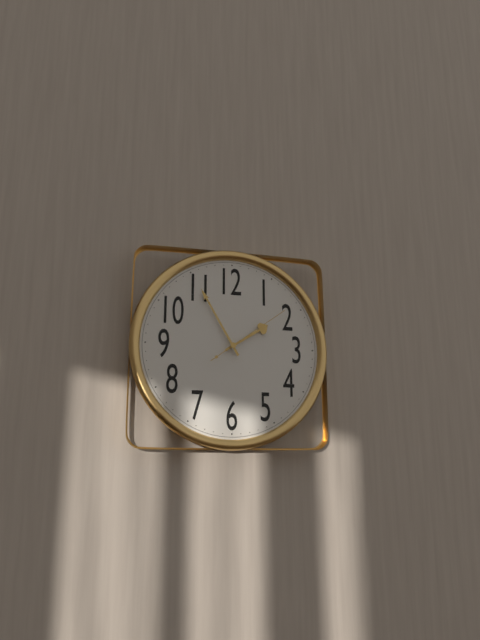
1:55:09
